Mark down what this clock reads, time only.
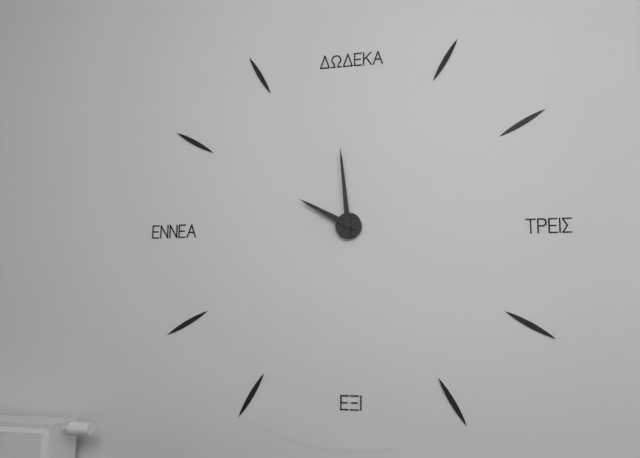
9:59
